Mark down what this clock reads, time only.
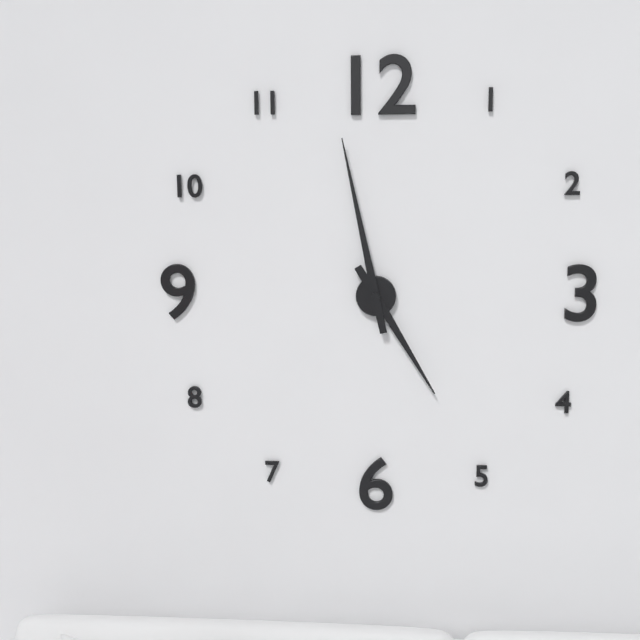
4:58
